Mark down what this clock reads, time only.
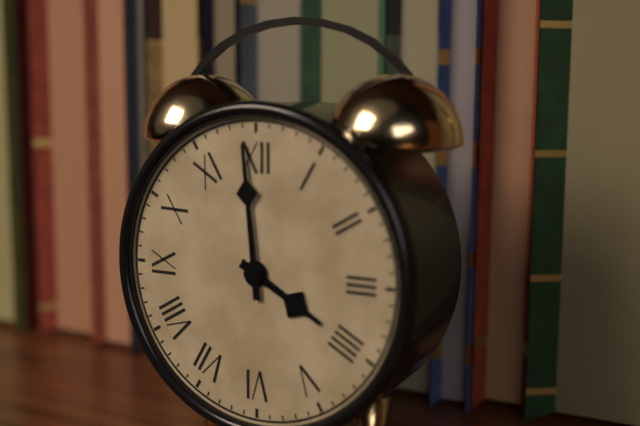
3:59
